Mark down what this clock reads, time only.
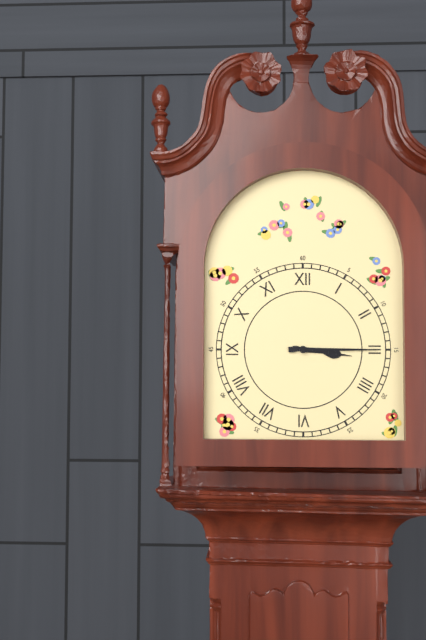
3:15
